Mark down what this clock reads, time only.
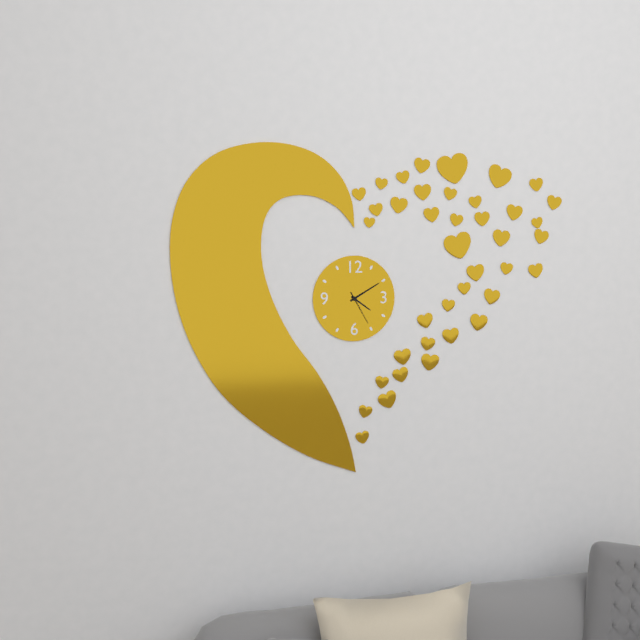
4:10
